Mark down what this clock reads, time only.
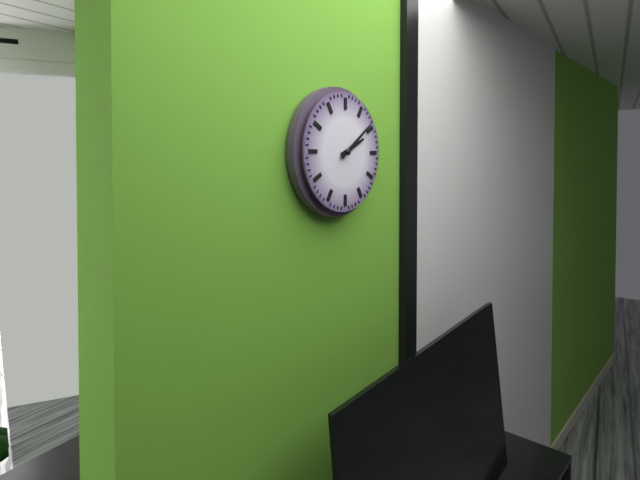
2:09
